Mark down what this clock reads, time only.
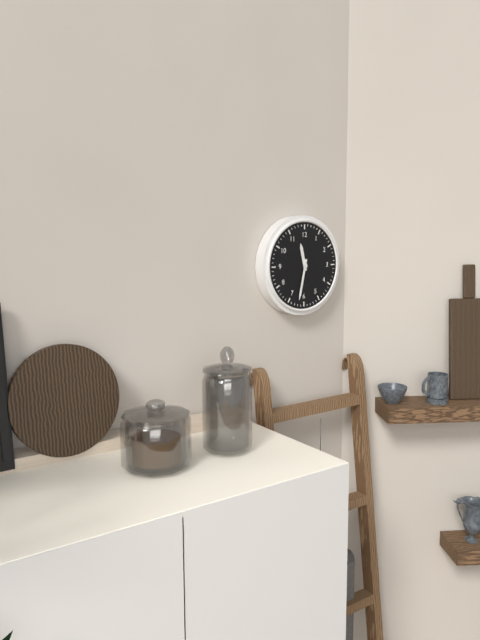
11:32
